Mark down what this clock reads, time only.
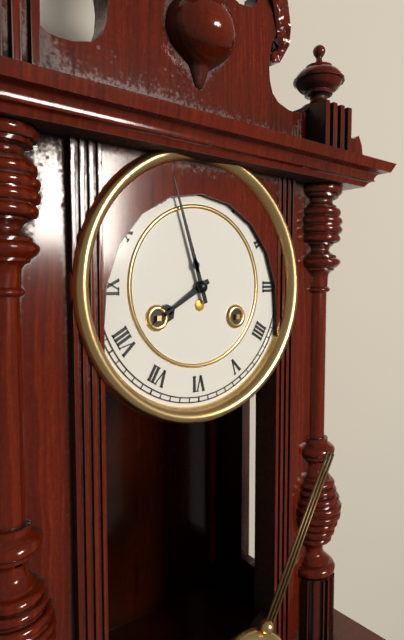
7:57
